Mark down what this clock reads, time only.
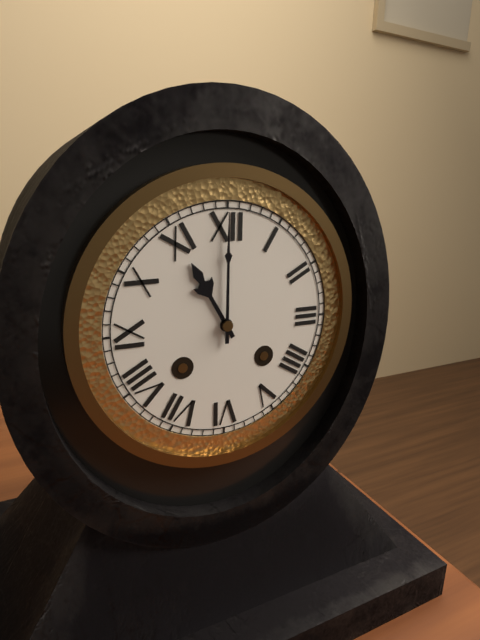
11:00
